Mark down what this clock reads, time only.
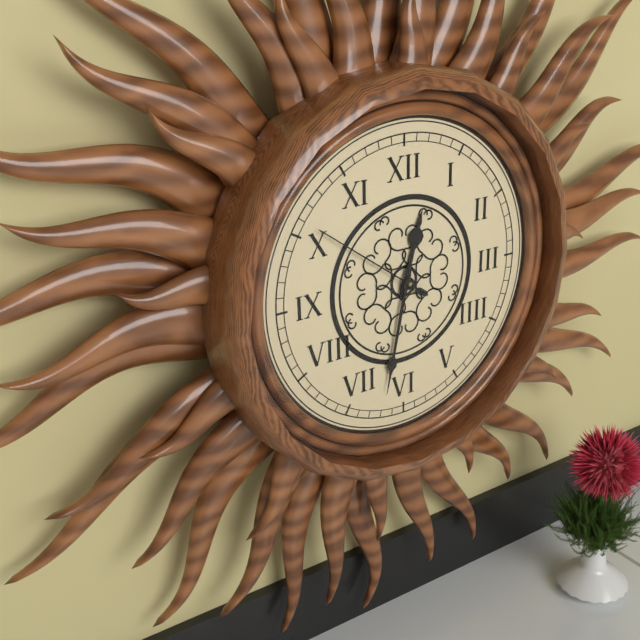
12:32:51
